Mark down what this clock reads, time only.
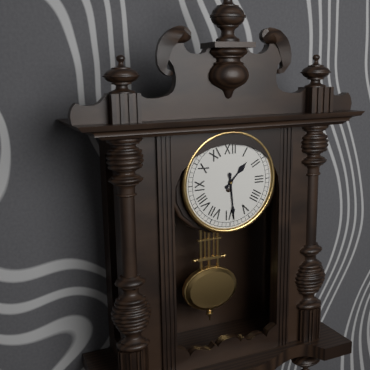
1:29
